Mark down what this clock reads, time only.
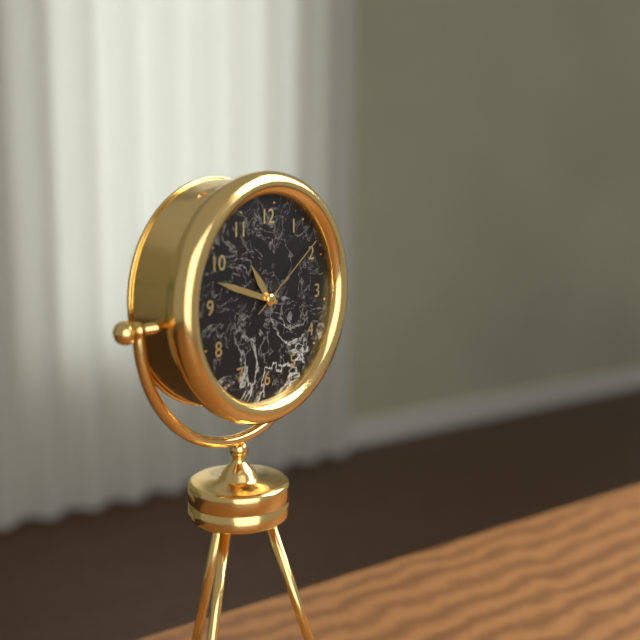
10:48:09
